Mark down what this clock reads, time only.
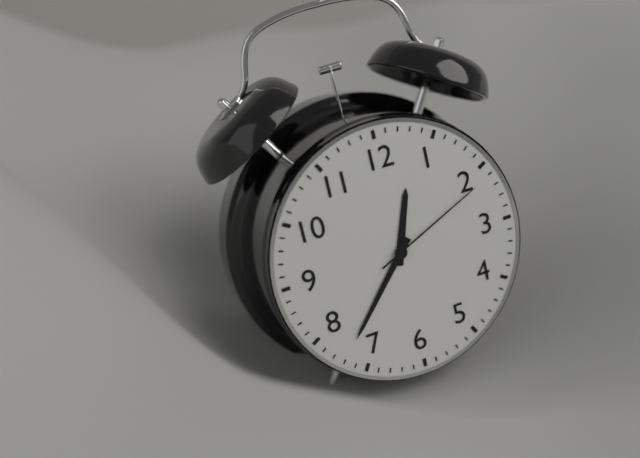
12:37:11
